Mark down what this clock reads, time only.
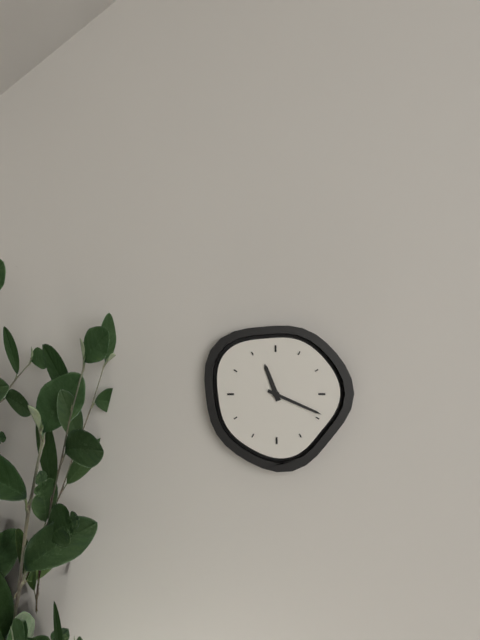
11:19
